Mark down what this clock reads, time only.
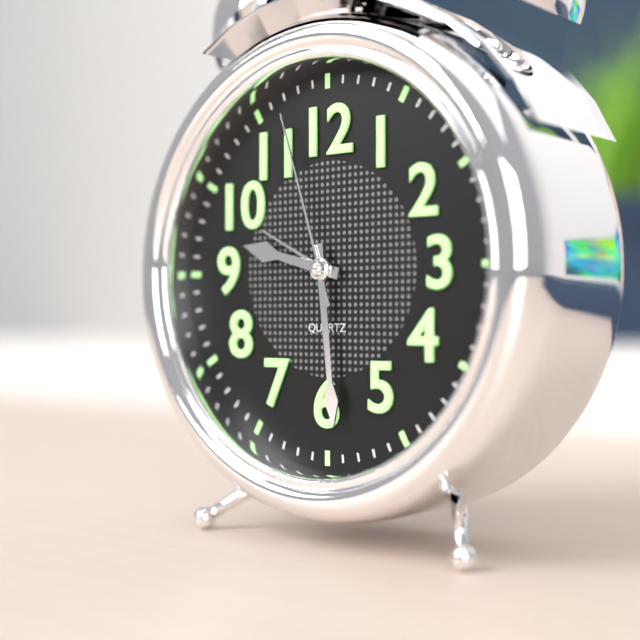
9:29:57
